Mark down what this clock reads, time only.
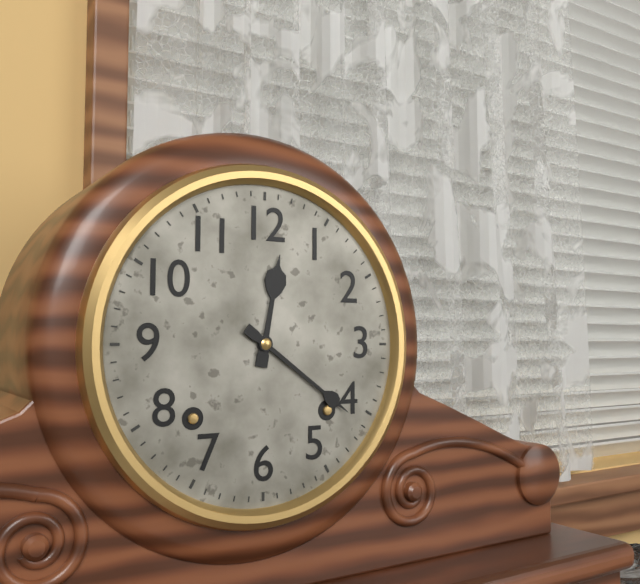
12:21
